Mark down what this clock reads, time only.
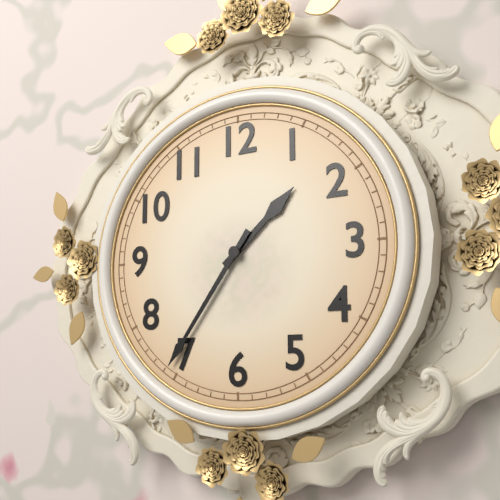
1:36
